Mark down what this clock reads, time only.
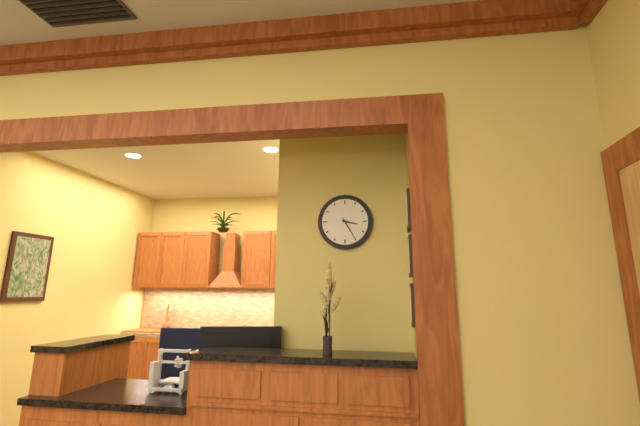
3:25
